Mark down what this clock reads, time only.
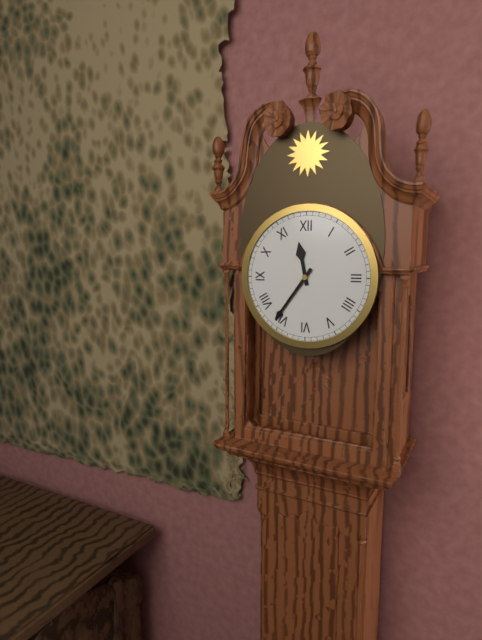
11:36
